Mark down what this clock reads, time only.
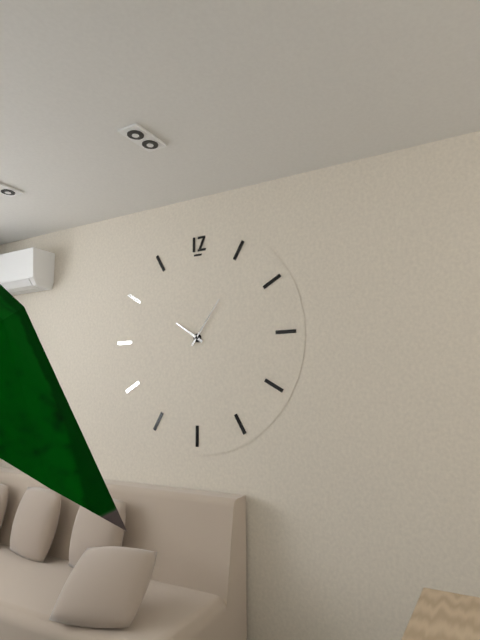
10:06
